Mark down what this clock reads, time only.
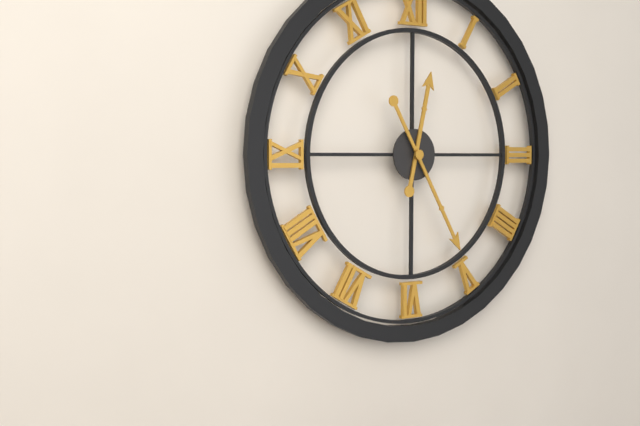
12:25
